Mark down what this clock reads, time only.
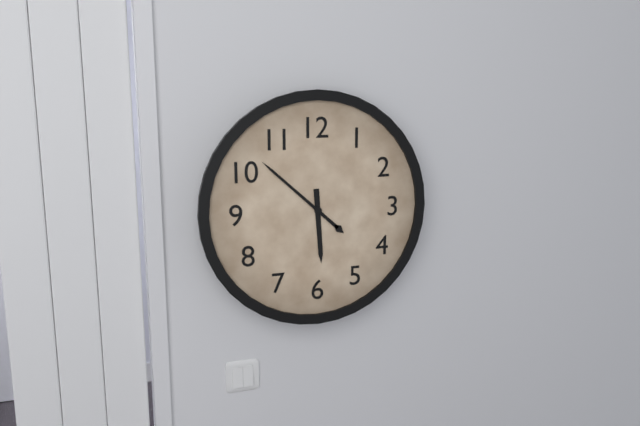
5:52
